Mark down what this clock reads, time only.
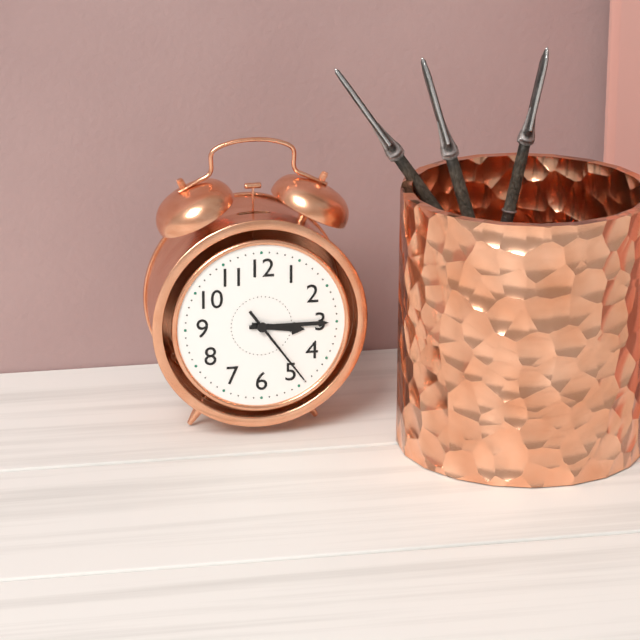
3:15:24
